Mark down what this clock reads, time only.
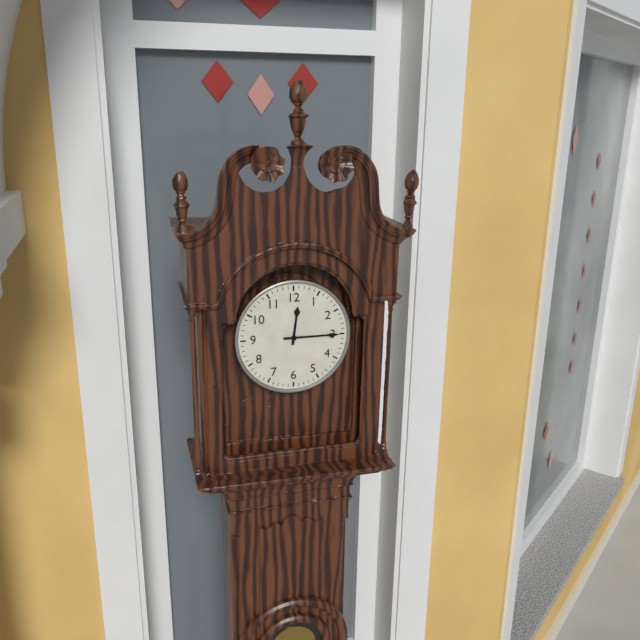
12:15
